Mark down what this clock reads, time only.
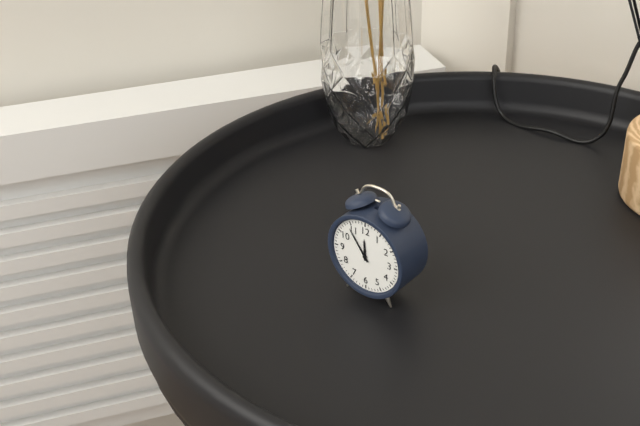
11:54
